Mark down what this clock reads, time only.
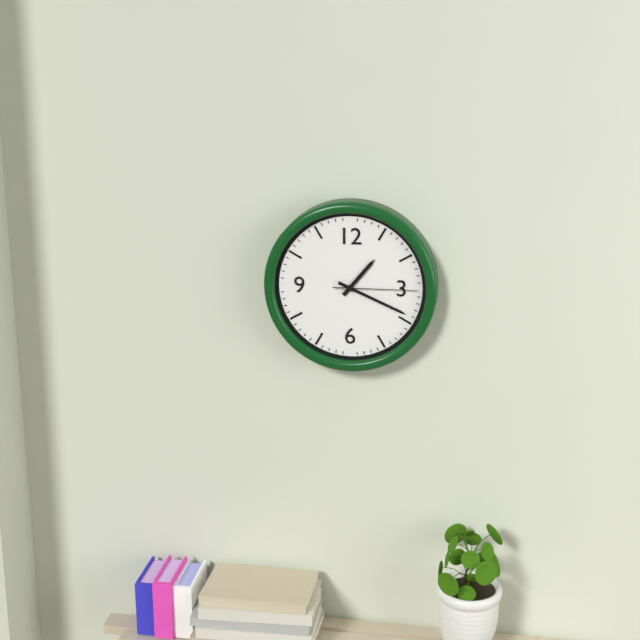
1:19:15
